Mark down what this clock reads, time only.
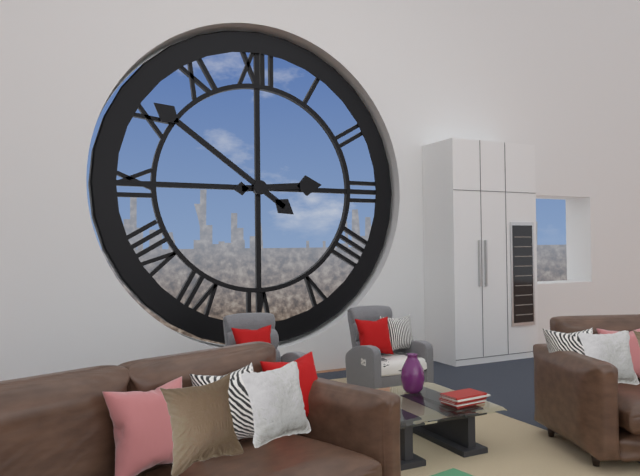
2:51
